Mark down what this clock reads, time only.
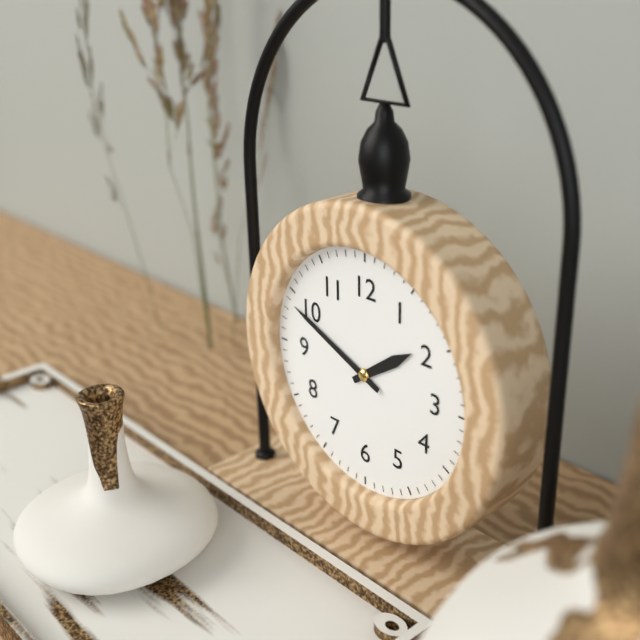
1:49
